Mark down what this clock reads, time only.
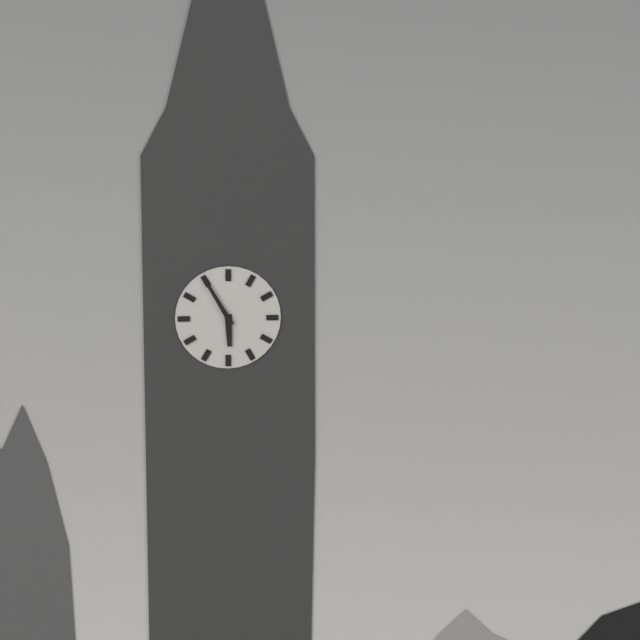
5:55
